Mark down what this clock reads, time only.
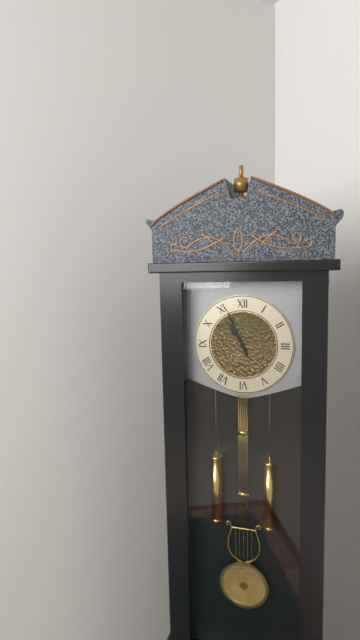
10:56
